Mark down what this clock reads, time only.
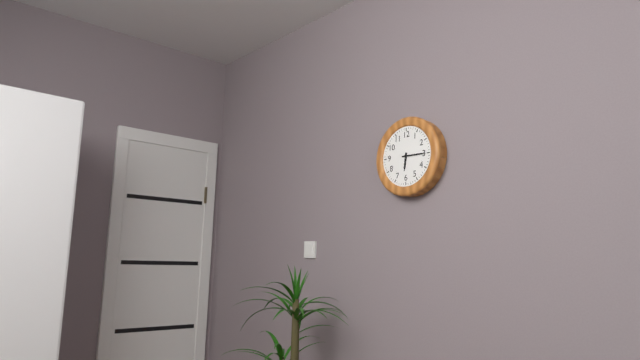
6:15
